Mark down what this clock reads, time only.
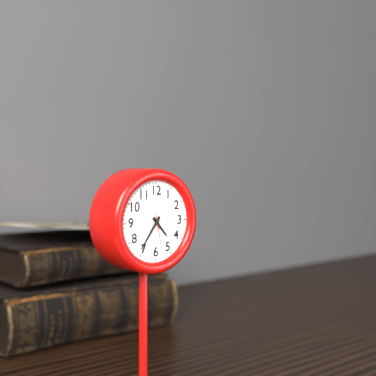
4:36:28
